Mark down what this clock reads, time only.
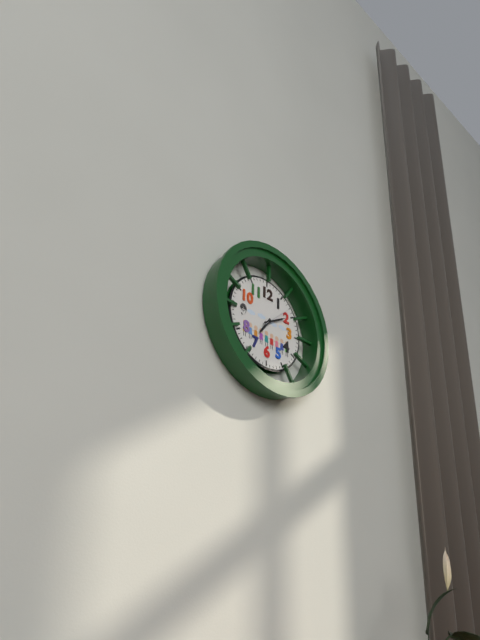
7:10
